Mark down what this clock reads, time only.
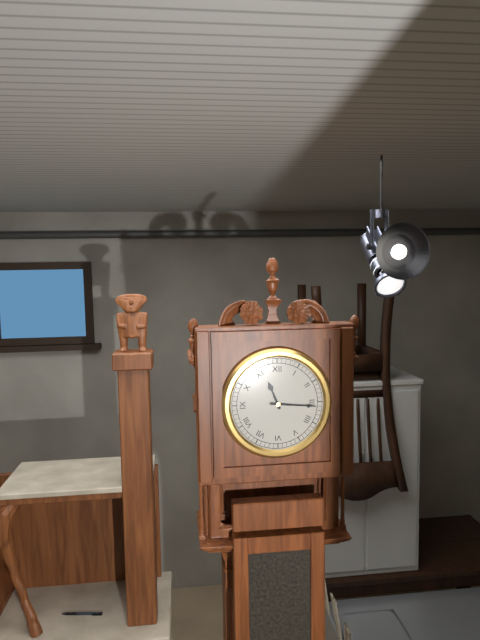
11:16
